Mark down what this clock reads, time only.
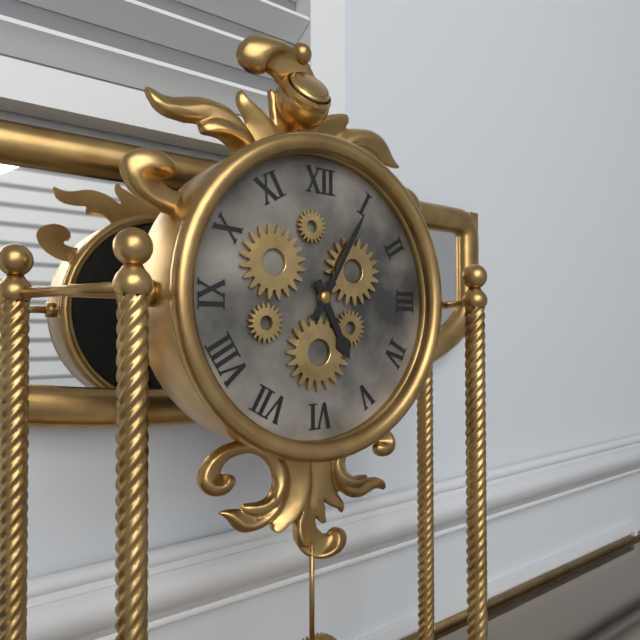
5:05
